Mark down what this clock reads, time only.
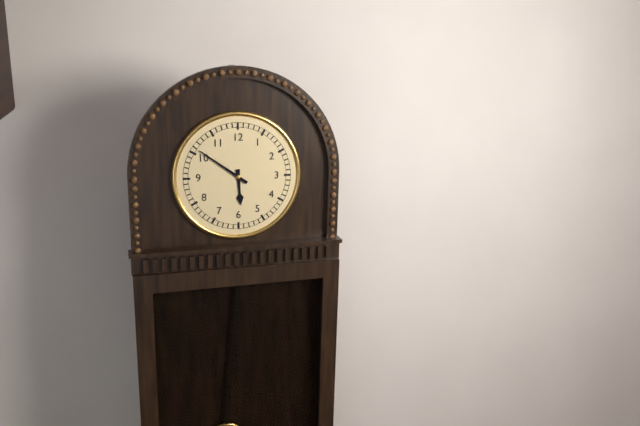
5:51
